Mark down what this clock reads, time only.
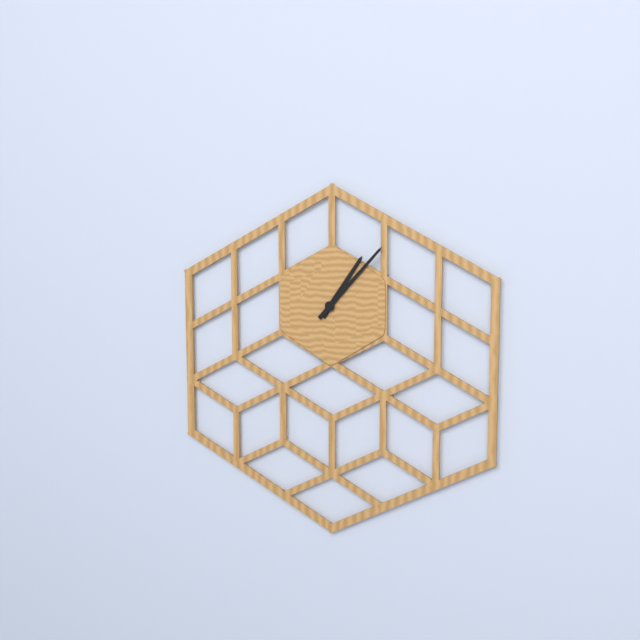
1:07
